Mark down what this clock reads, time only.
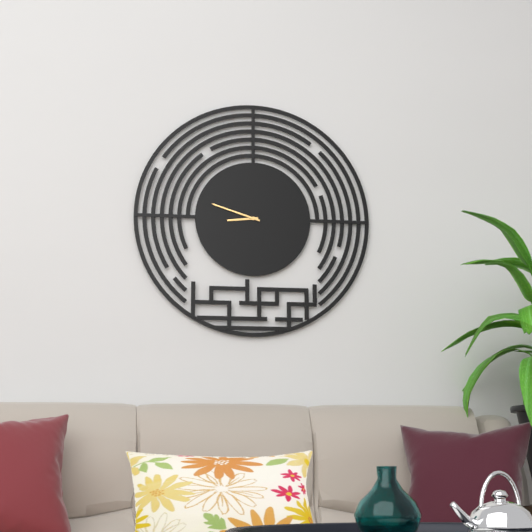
8:48
